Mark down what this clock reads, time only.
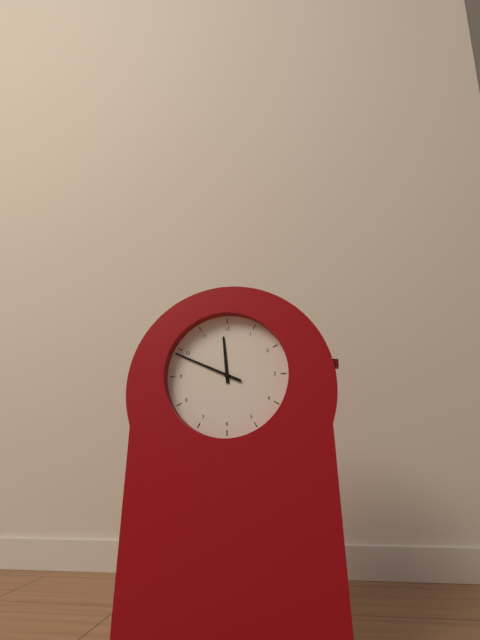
11:49
